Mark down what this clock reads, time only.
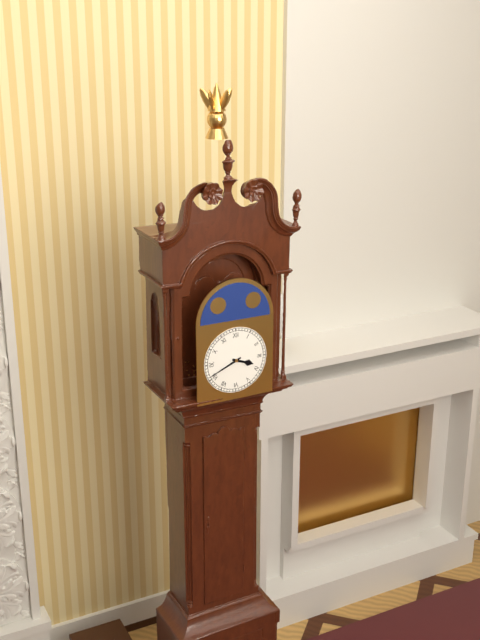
3:41
